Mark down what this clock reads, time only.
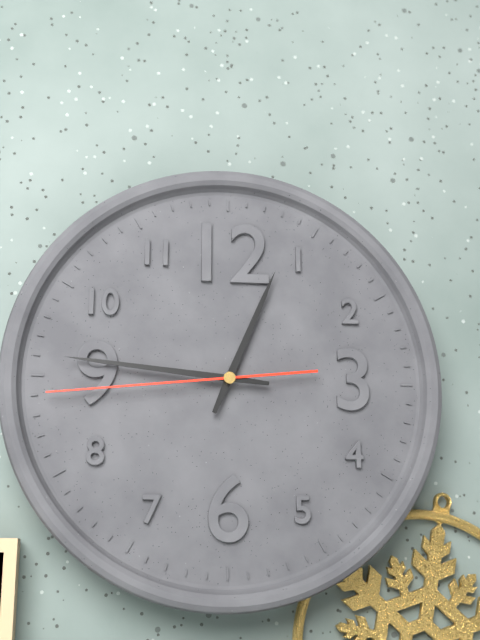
12:46:44
